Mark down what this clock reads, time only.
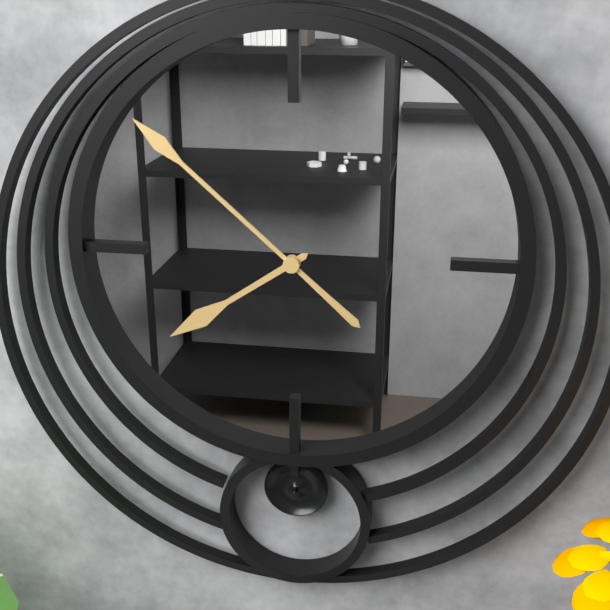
7:52
